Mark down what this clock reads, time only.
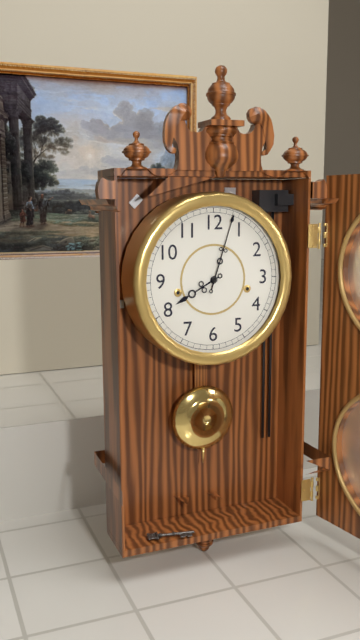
8:03
